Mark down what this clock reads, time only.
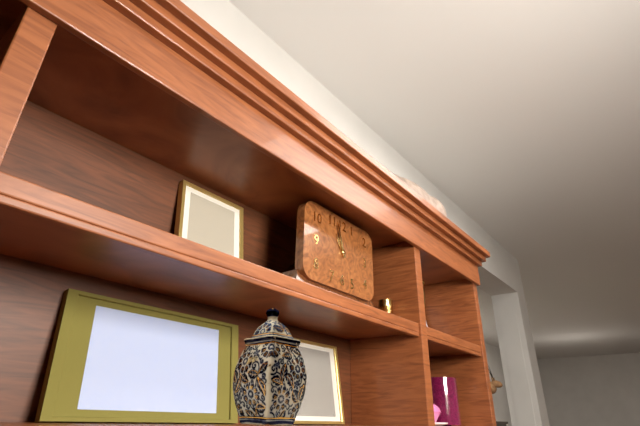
10:57
